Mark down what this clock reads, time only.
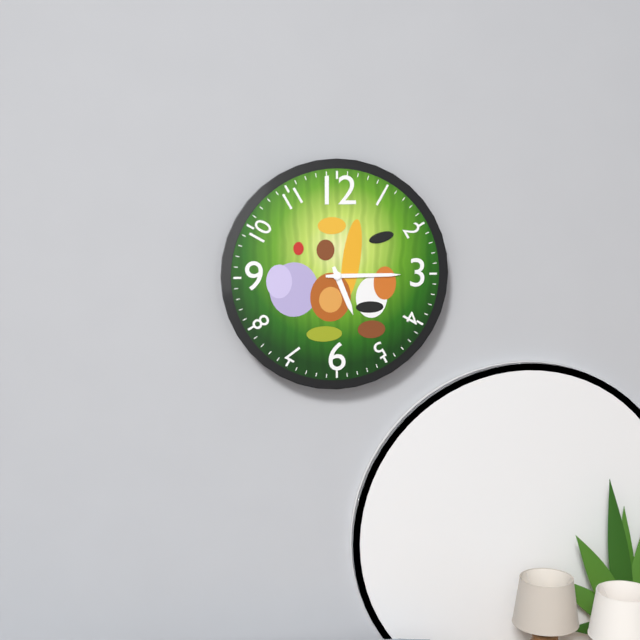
5:15
